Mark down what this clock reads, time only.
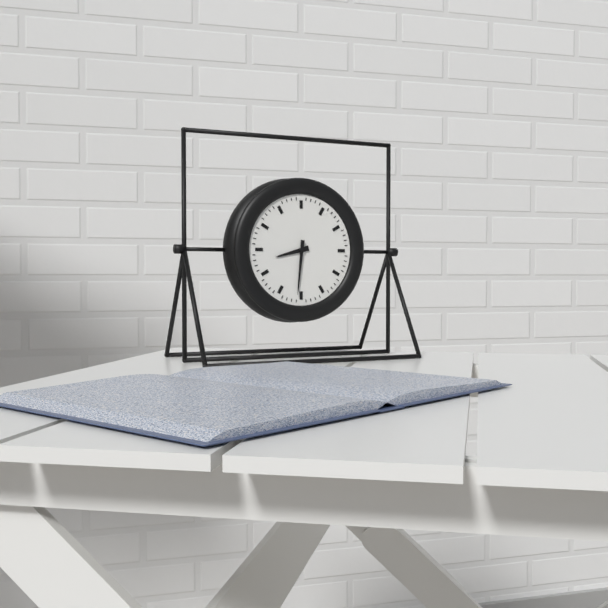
8:31
